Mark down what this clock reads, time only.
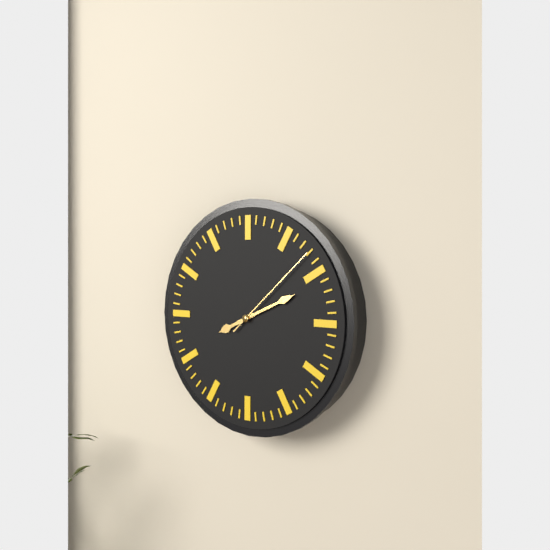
8:11:08
